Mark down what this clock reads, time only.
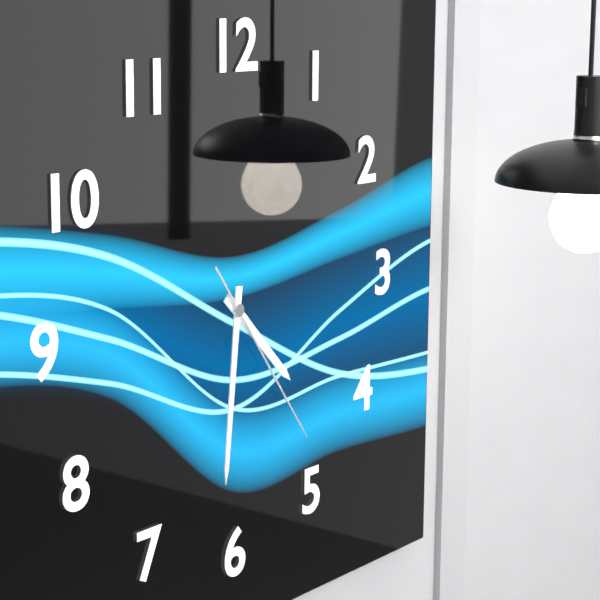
4:31:24
